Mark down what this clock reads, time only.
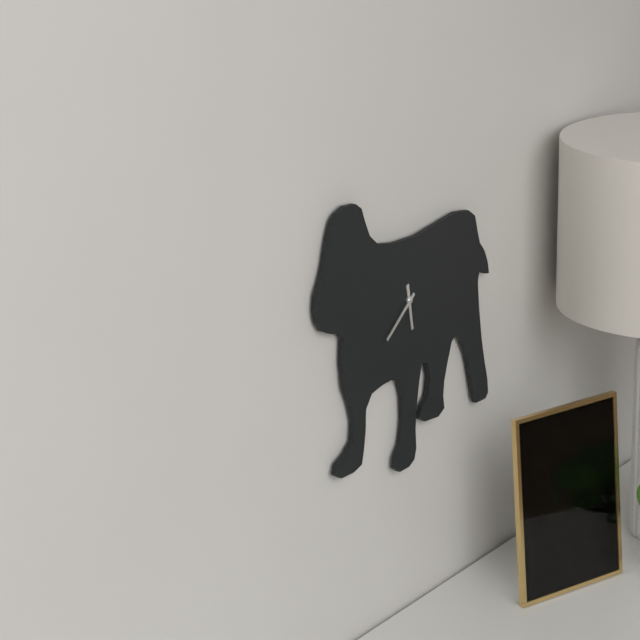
5:39
